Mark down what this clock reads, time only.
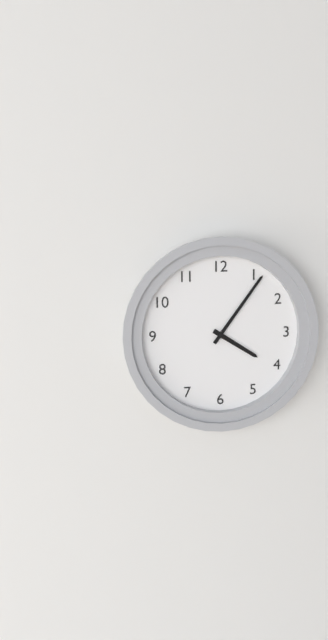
4:06
